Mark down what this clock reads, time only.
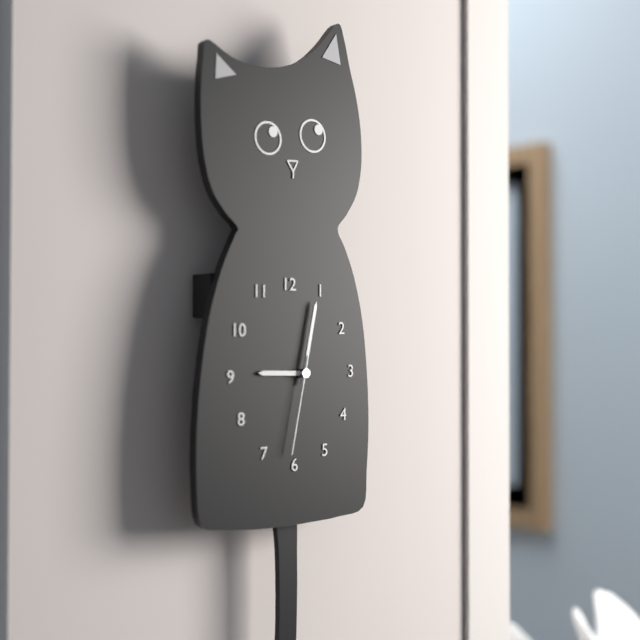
9:02:32
